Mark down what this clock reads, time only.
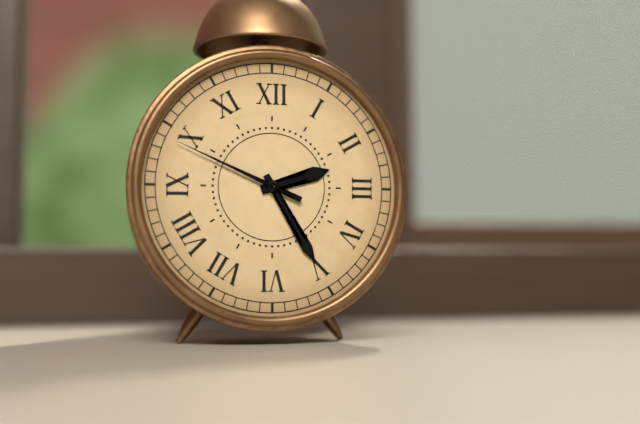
2:25:49
